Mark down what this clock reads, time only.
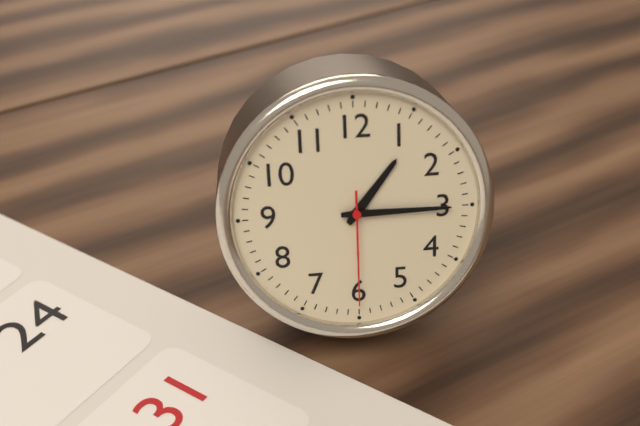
1:15:30
